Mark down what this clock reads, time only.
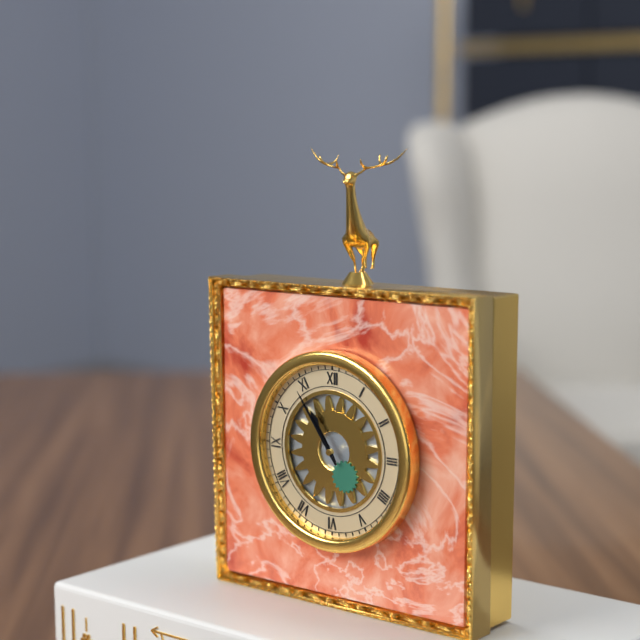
10:54
